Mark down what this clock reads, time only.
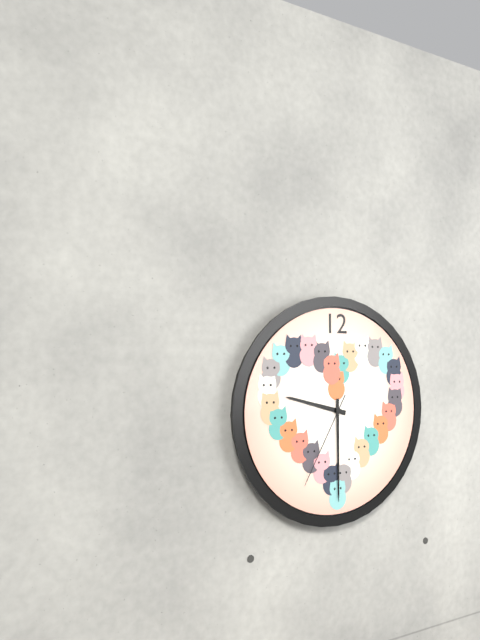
9:30:35
